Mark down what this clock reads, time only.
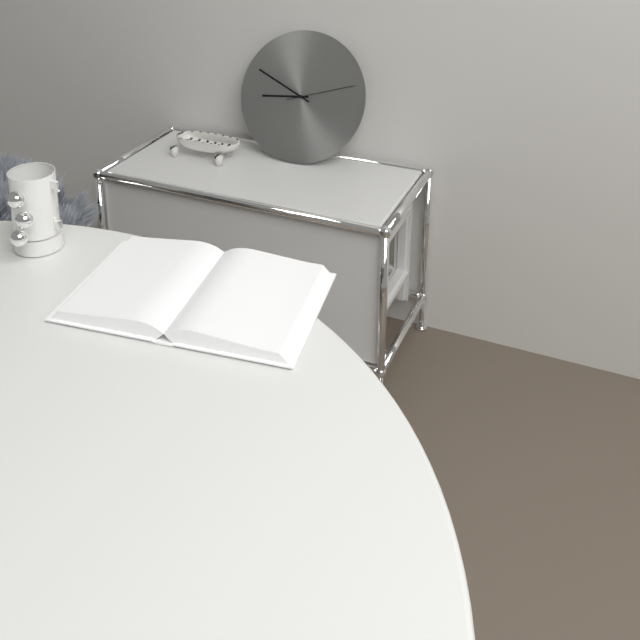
8:49:12
